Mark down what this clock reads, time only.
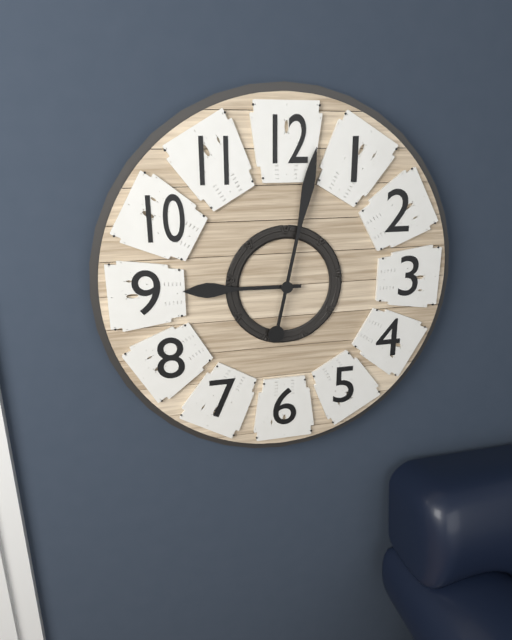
9:02
